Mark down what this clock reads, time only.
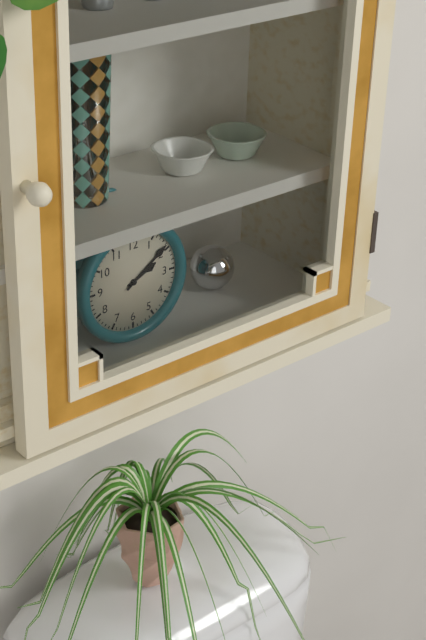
2:09
